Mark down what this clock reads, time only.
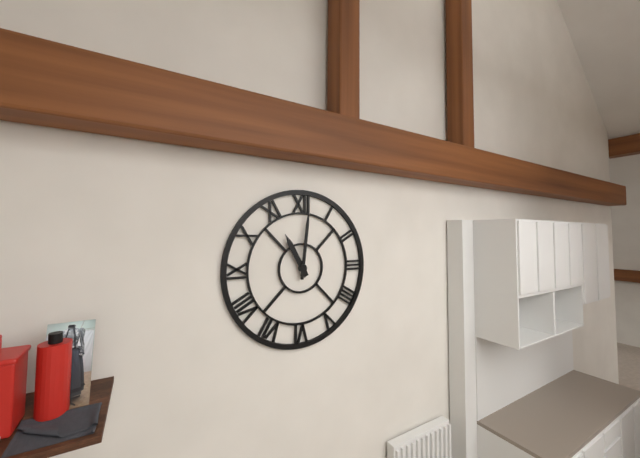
11:01
